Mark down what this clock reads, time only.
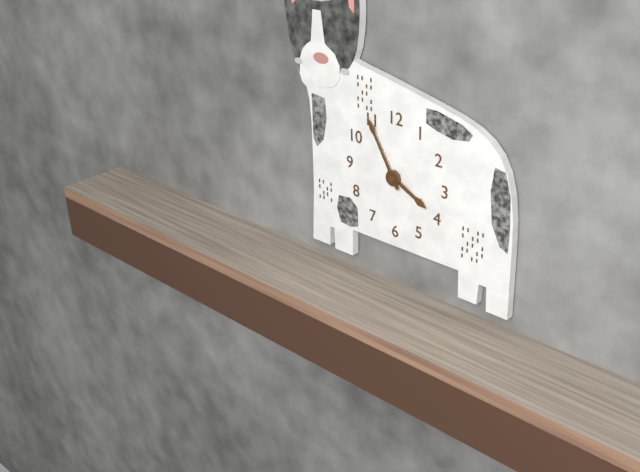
3:55
